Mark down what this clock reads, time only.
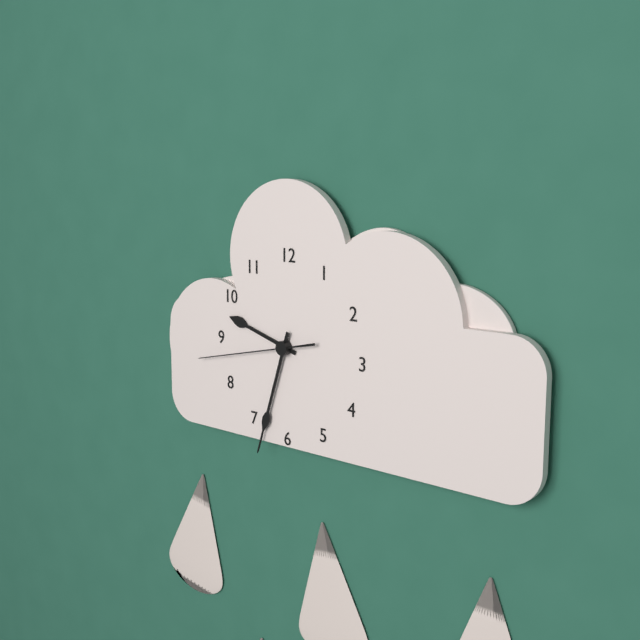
9:33:43
